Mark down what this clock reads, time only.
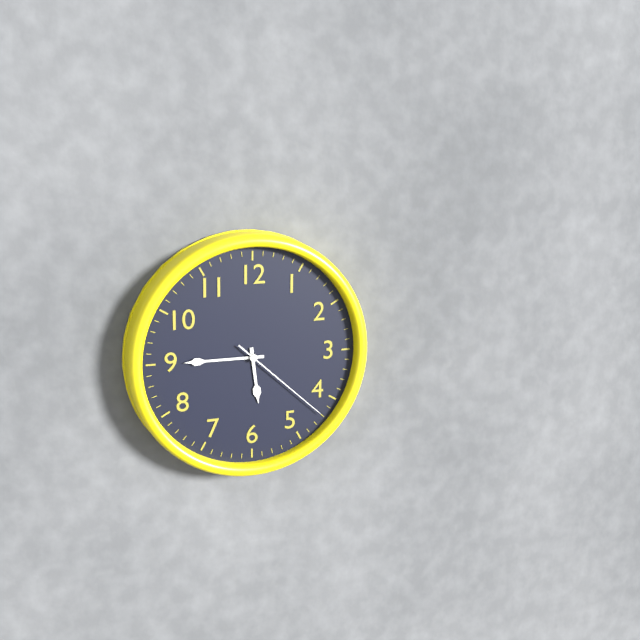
5:45:22
